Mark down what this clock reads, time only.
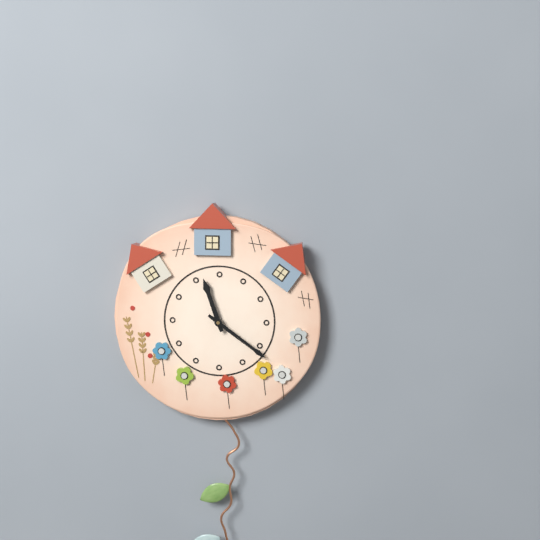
11:21
